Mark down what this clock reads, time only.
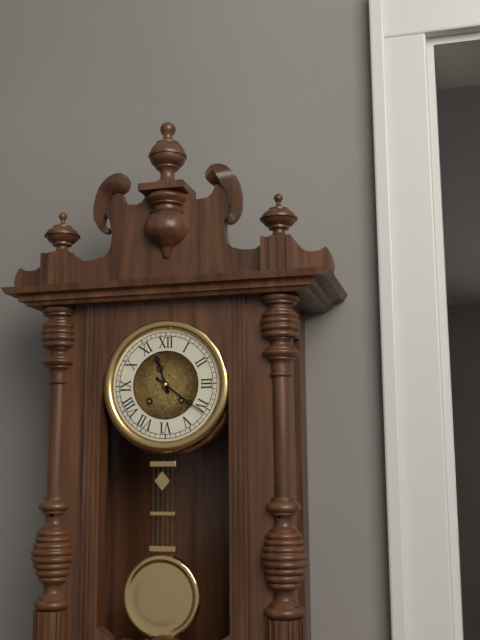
11:21
